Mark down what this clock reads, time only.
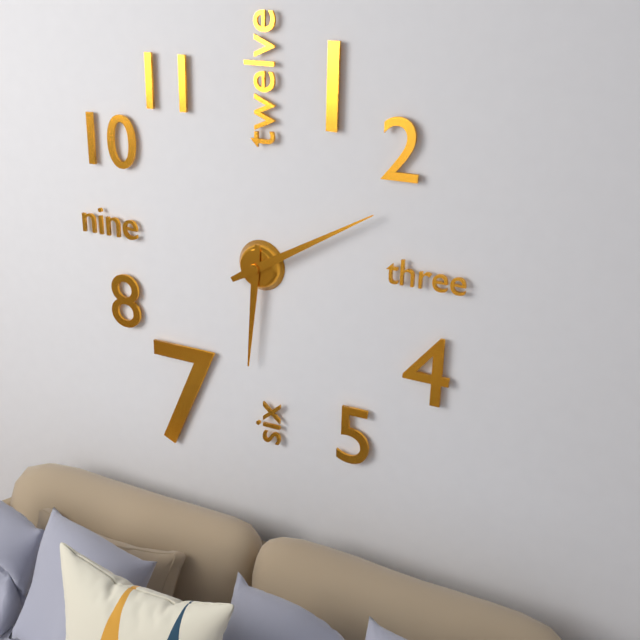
6:10
